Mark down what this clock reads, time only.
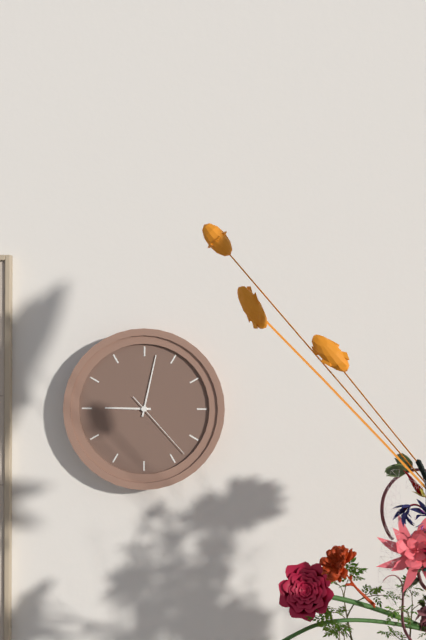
9:02:23
